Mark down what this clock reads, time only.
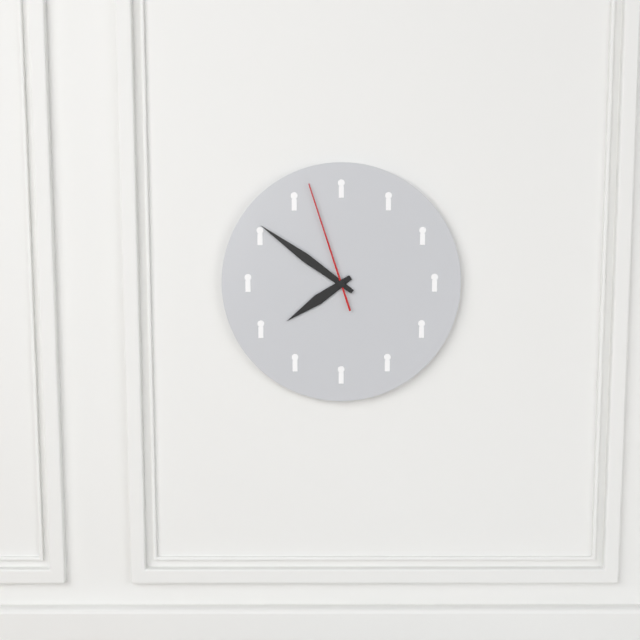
7:51:57
